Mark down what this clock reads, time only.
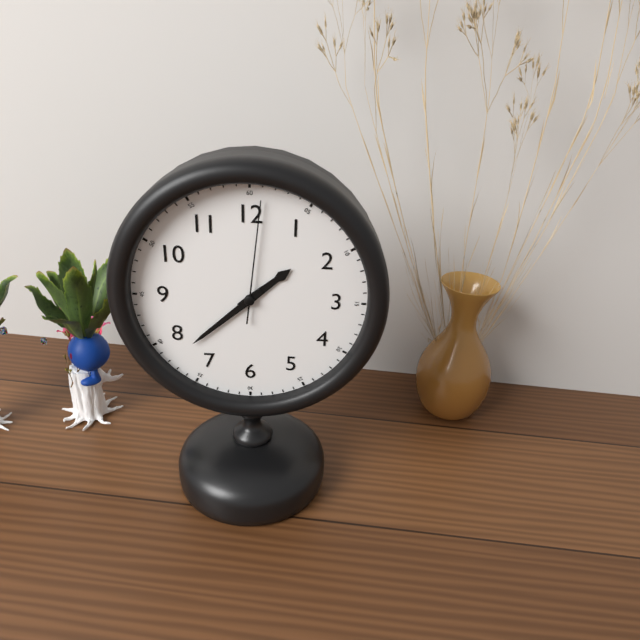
1:38:01
